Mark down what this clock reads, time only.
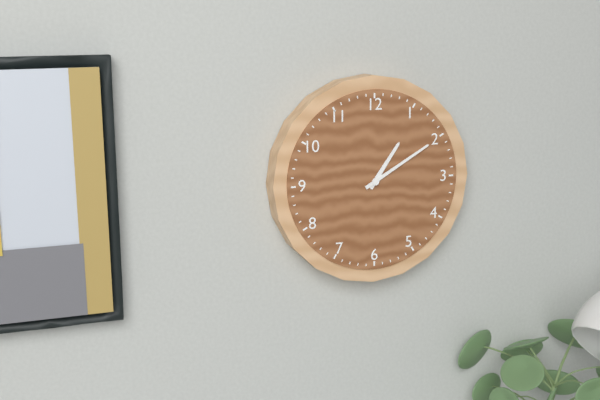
1:10
